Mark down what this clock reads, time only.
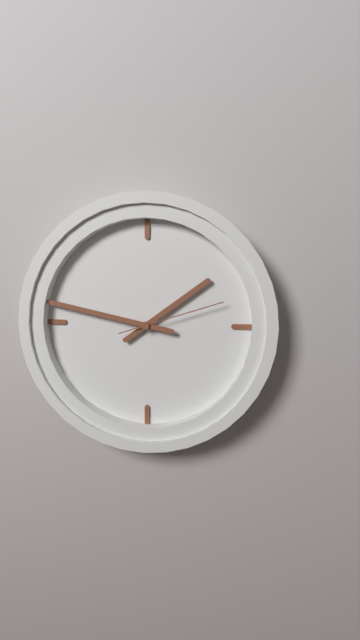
1:47:12
